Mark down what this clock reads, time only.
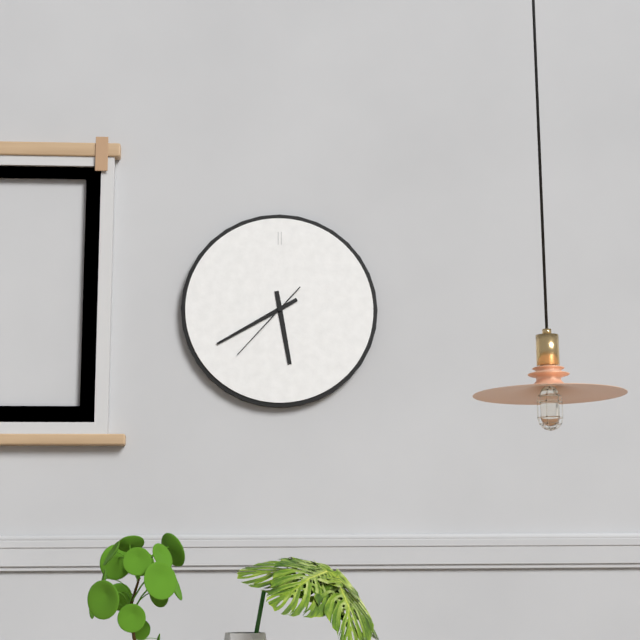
5:40:37
